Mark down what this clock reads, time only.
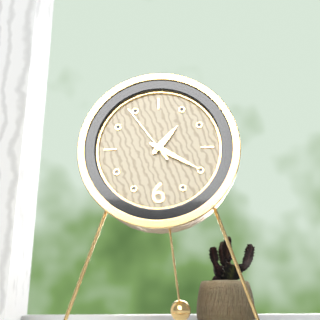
1:20:54
